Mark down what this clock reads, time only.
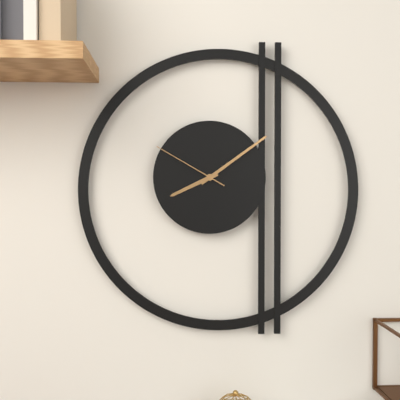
8:09:50
